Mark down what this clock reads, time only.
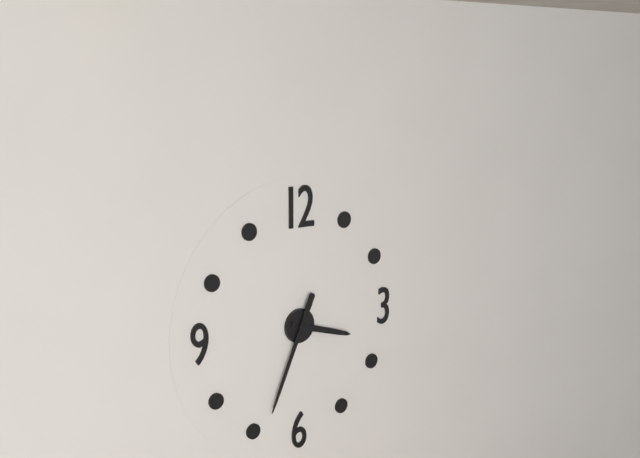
3:34
